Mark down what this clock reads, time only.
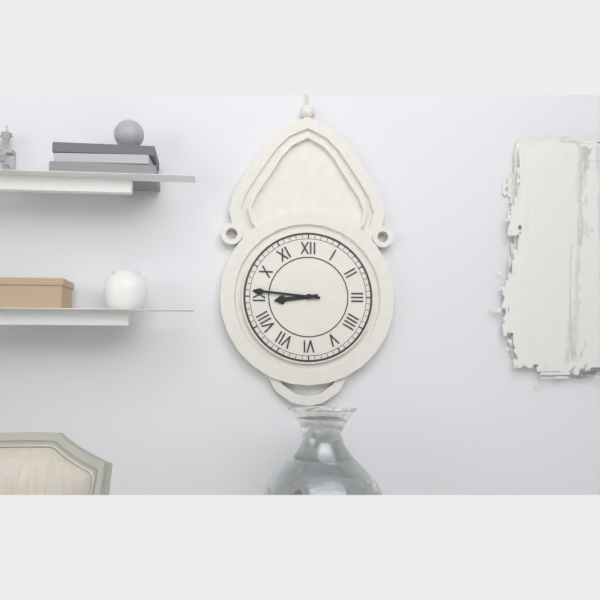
8:46
